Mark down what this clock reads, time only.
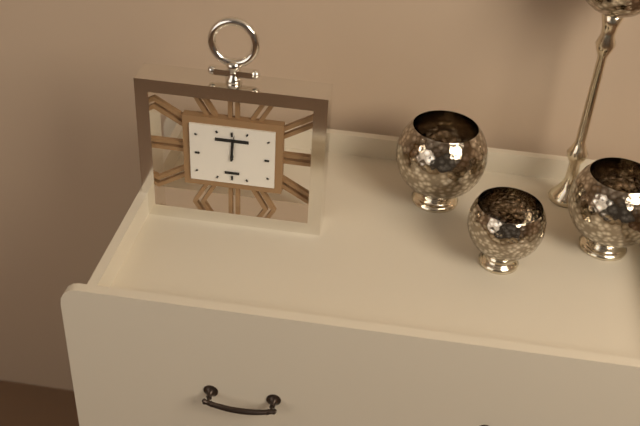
12:01
